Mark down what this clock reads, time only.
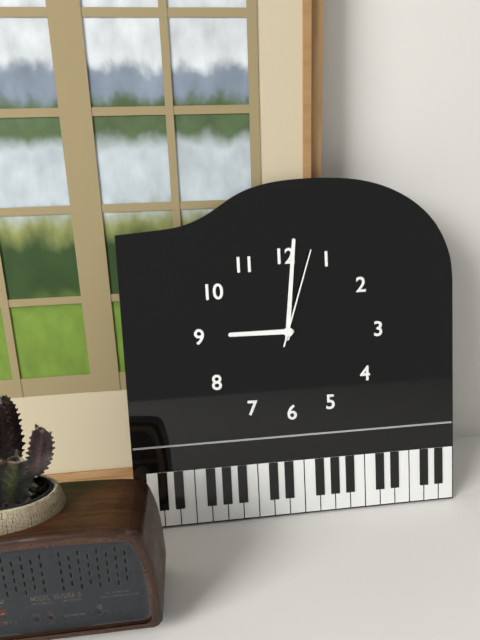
9:01:03
